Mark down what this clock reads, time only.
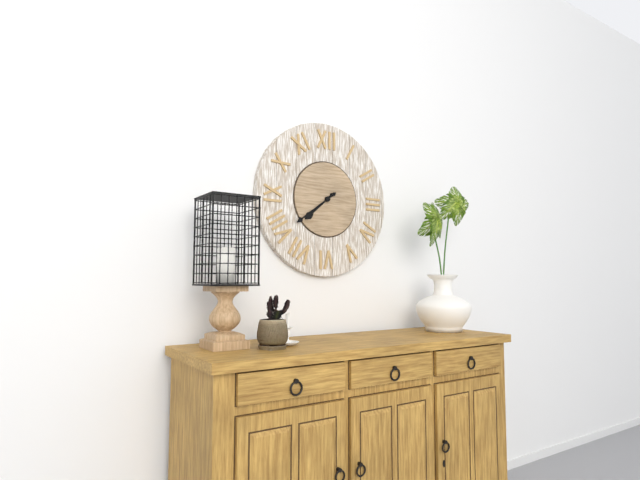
7:39
